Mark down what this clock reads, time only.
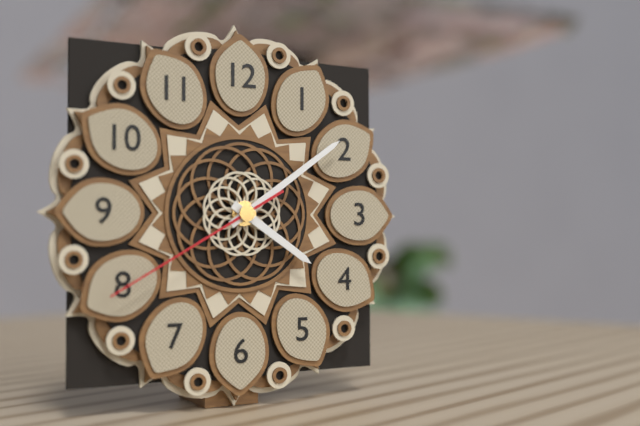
4:09:40
